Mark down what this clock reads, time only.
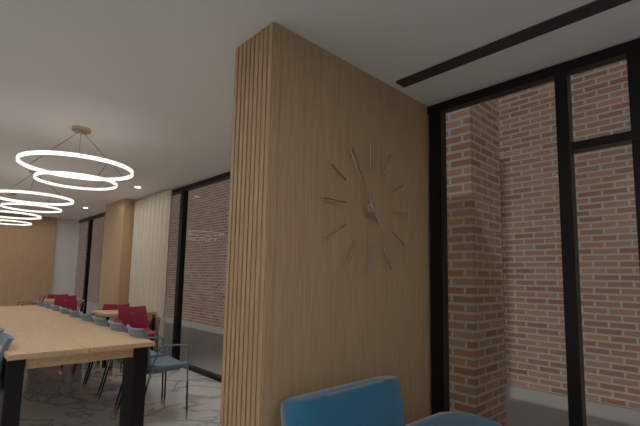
4:55
